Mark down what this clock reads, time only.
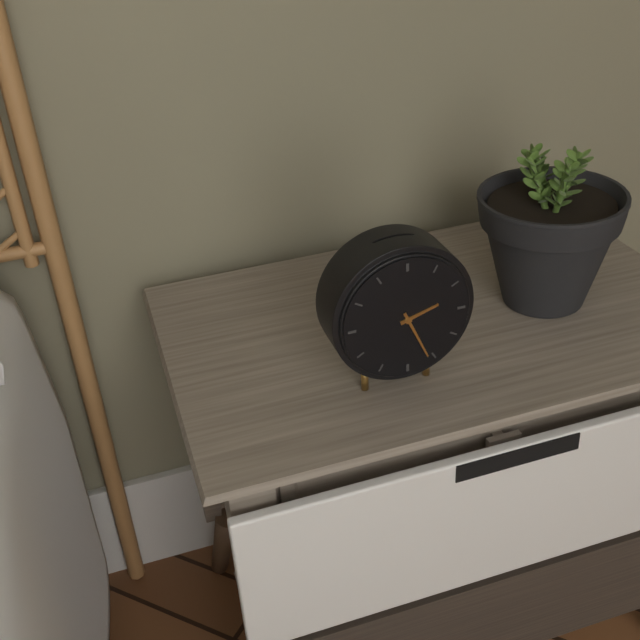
2:26
